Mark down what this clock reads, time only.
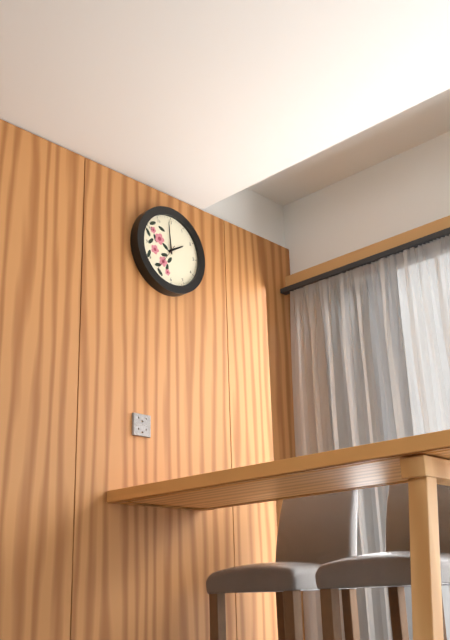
1:59
